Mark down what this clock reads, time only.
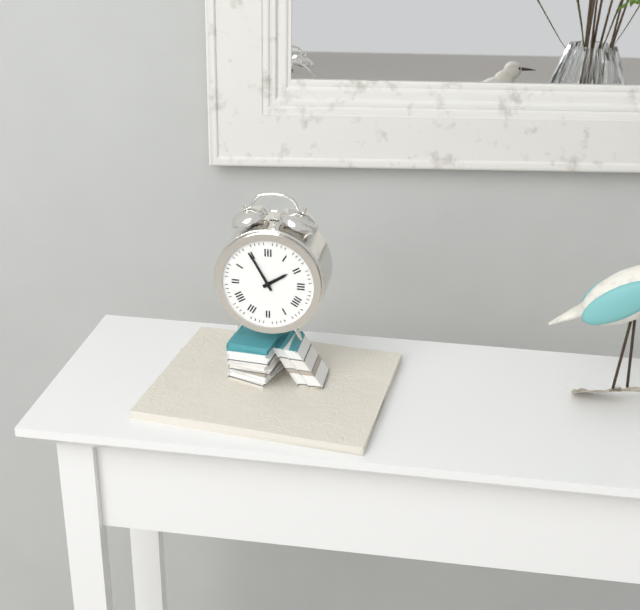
1:55
